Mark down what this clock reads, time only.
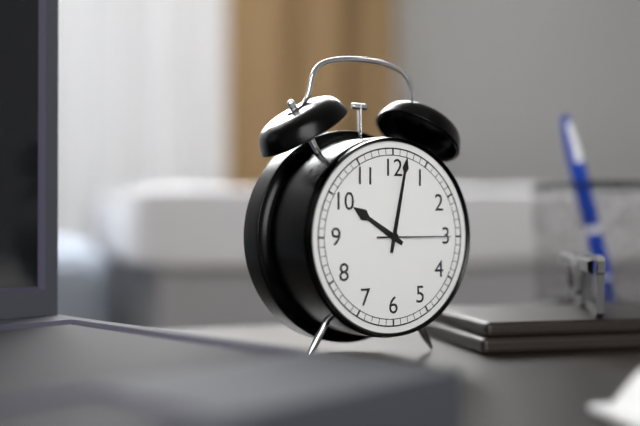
10:02:15
